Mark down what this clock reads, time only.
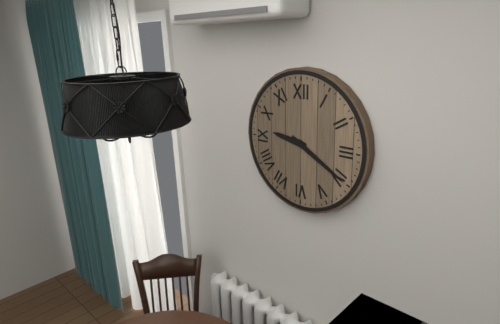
9:20
